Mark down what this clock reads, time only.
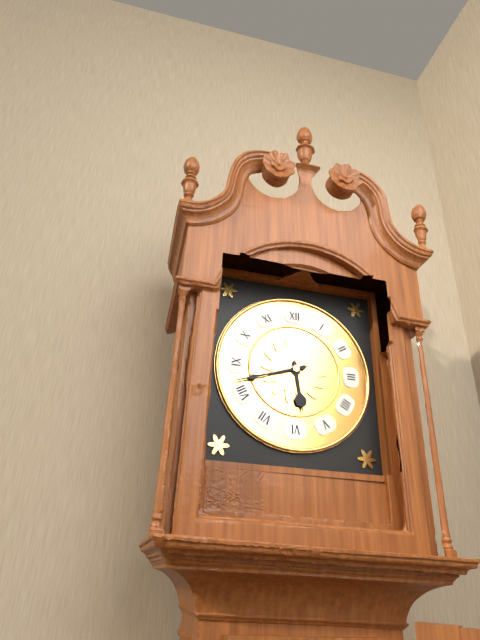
5:42
